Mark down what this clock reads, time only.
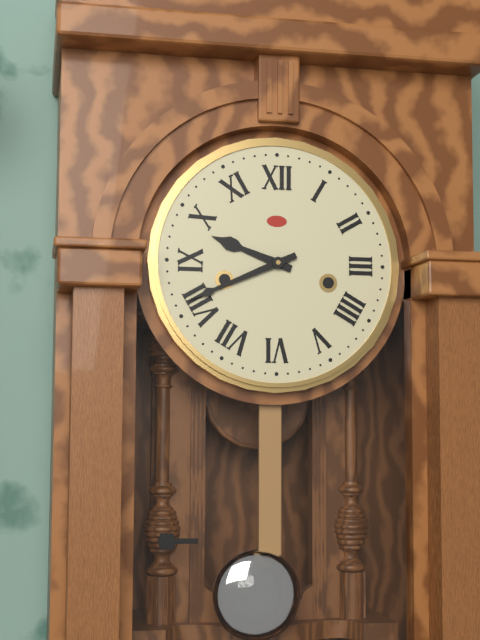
9:41
